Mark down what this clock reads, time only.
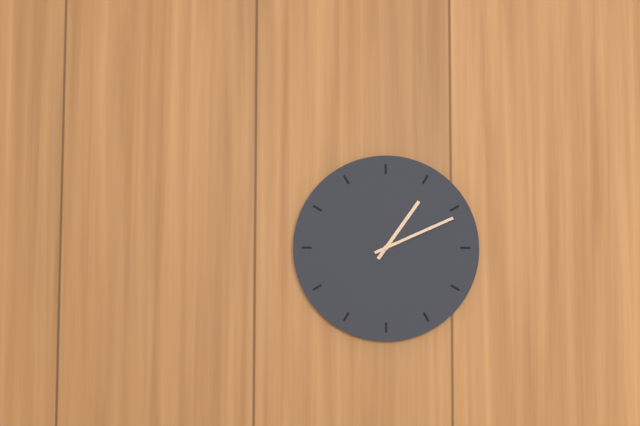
1:11
